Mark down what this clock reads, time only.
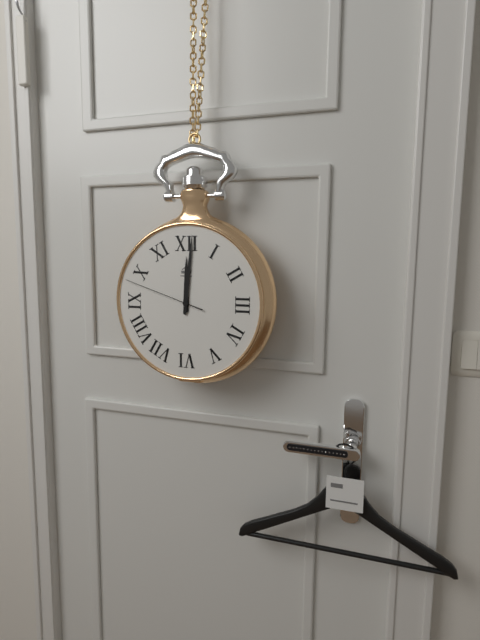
12:01:48
